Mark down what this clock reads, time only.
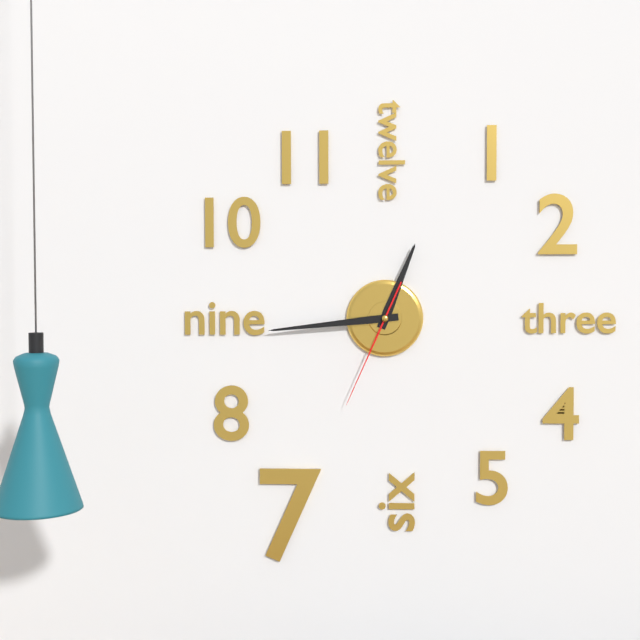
12:44:34
